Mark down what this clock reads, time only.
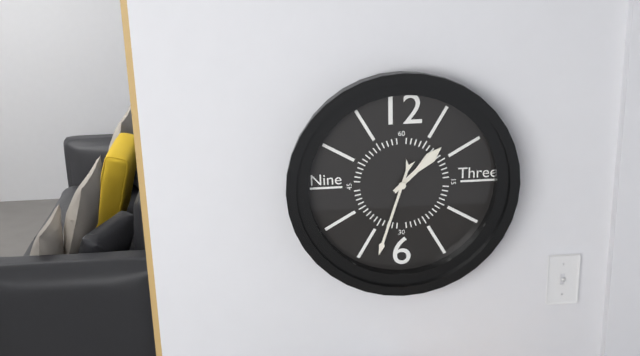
1:33
